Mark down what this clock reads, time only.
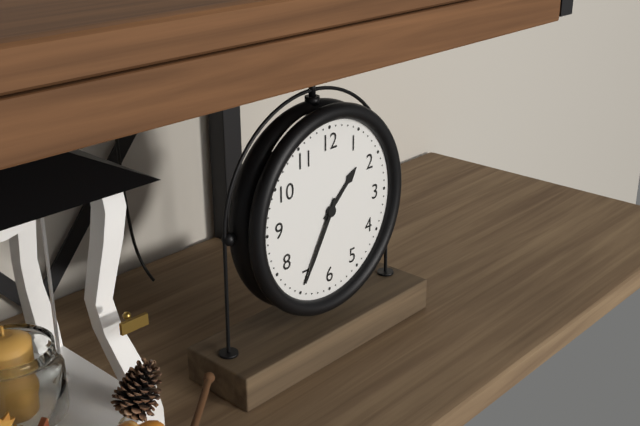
1:35
